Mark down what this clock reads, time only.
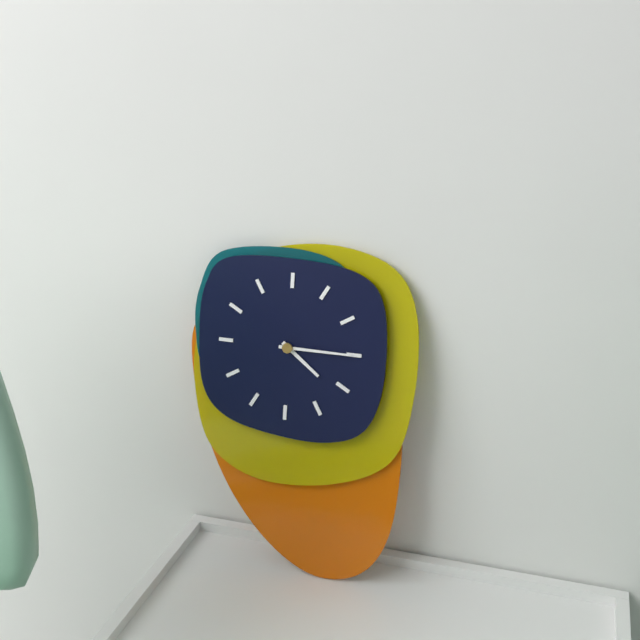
4:15
